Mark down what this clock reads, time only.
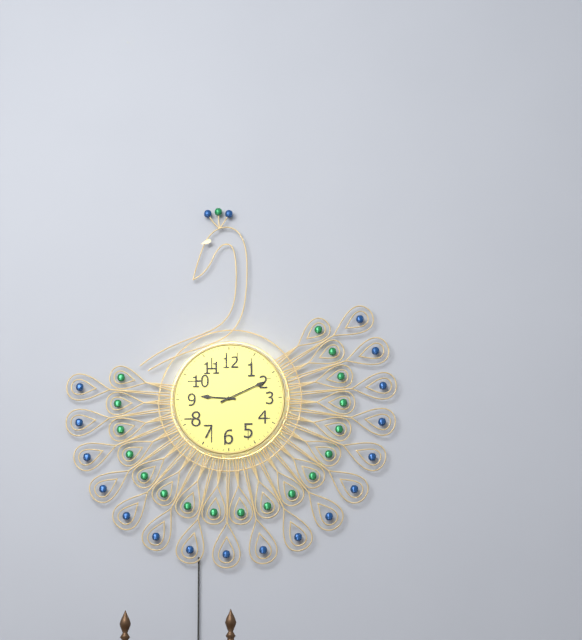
9:11
